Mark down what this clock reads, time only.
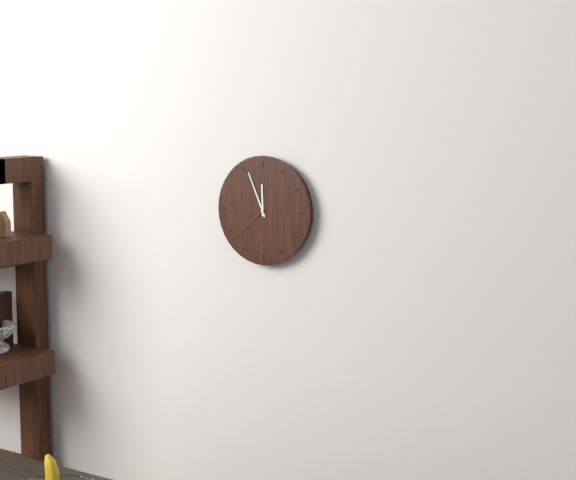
11:56
